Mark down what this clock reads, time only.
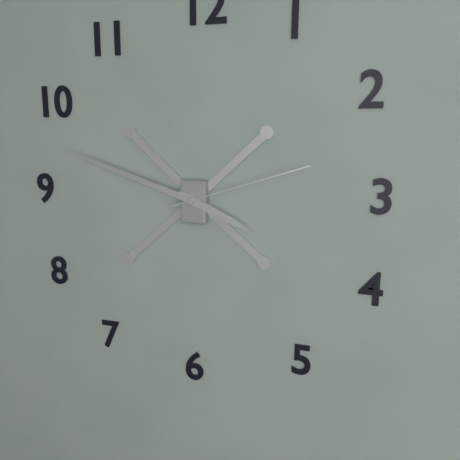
3:48:12
